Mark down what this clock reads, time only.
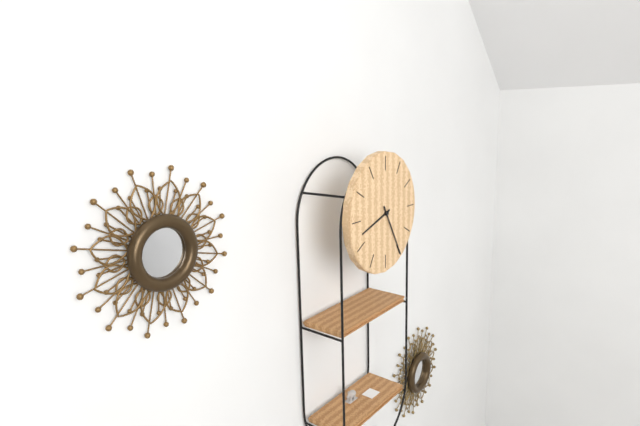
8:25
